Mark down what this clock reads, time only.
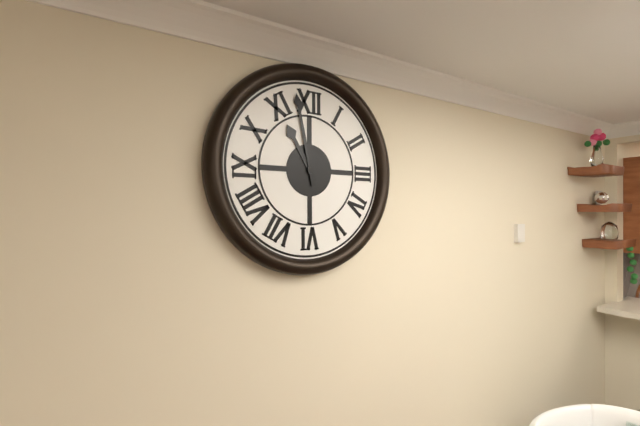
10:58
